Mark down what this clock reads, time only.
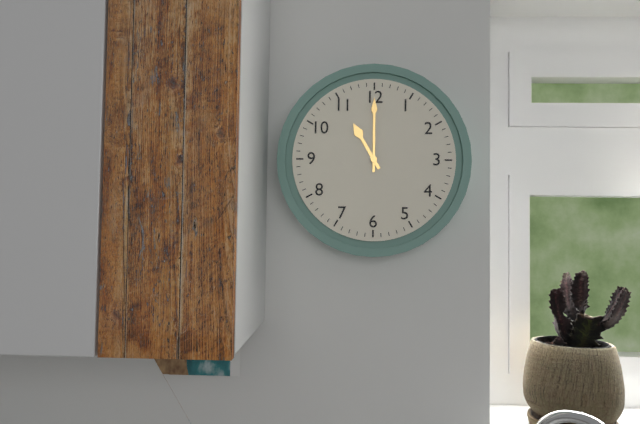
11:00
